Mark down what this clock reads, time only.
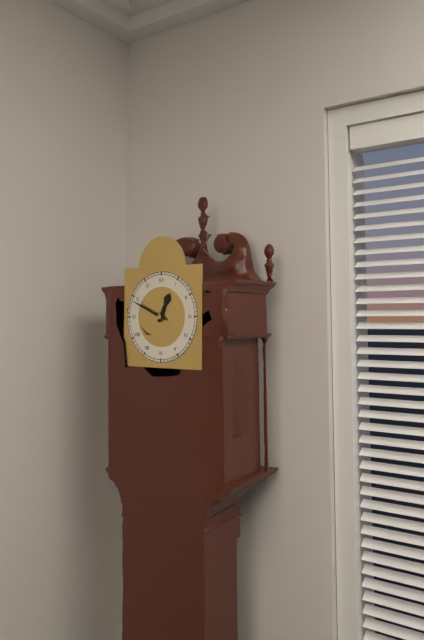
12:49
